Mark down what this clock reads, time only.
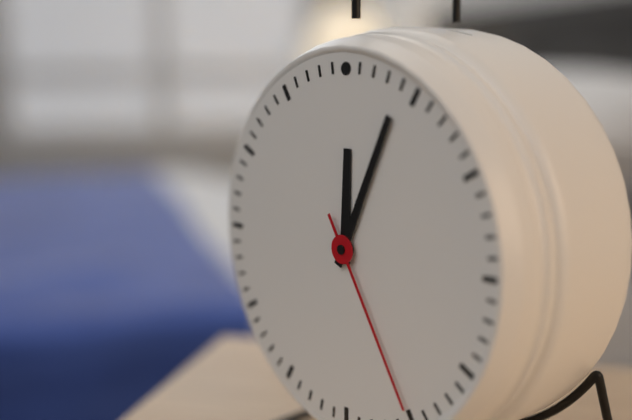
12:04:25
